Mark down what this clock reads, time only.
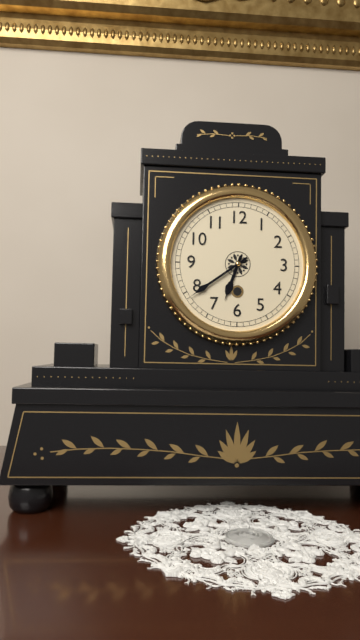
6:39
